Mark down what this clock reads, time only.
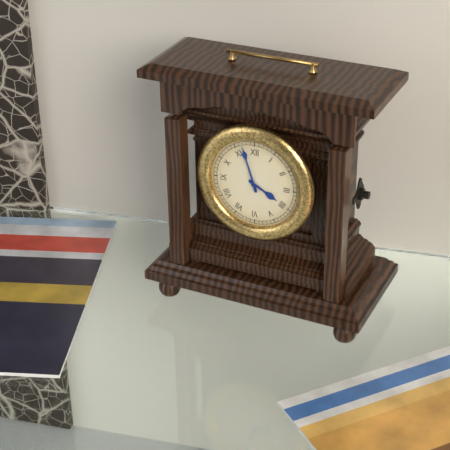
3:57
